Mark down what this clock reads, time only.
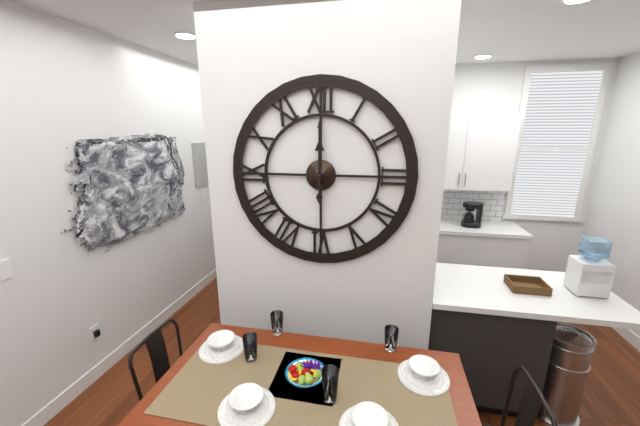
12:00
